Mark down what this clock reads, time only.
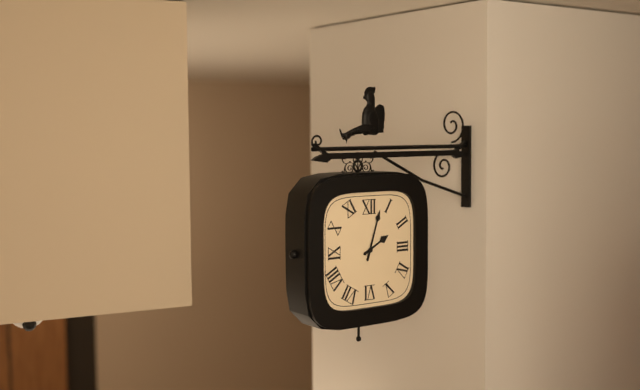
2:03
